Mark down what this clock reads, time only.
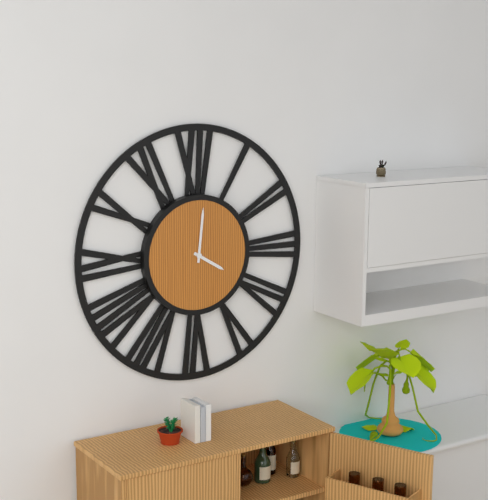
4:01
